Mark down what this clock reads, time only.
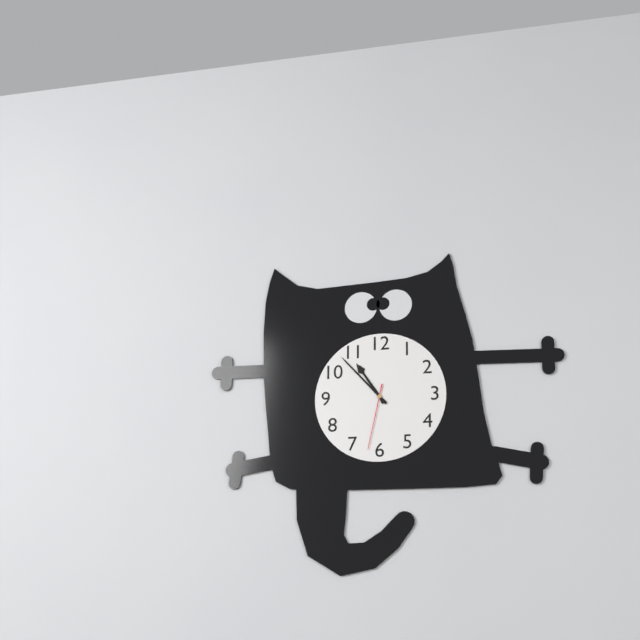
10:53:32
